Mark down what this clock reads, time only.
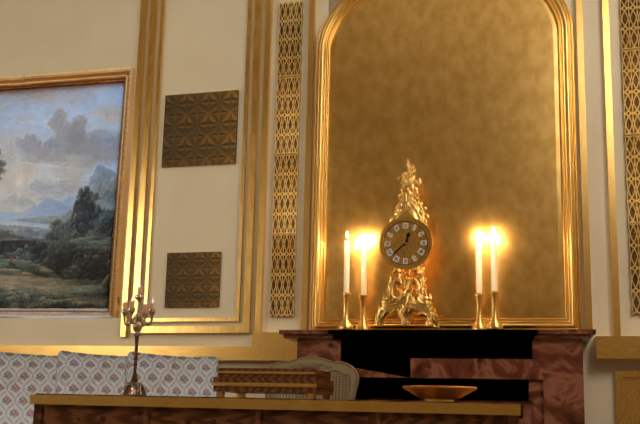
12:38
